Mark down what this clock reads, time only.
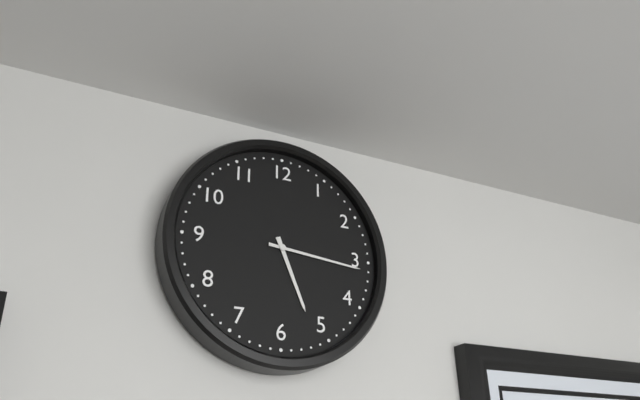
5:16
